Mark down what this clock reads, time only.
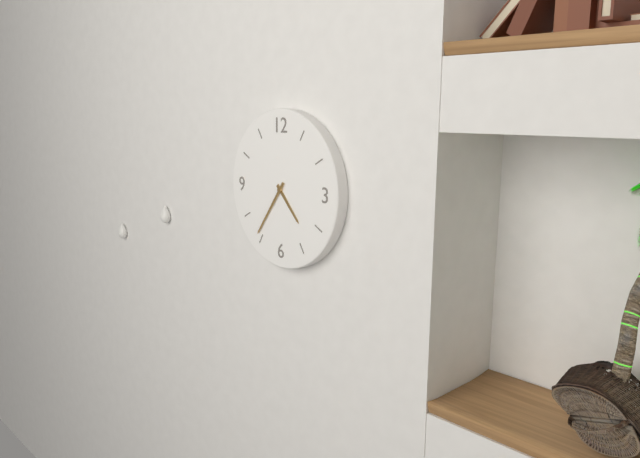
4:36
